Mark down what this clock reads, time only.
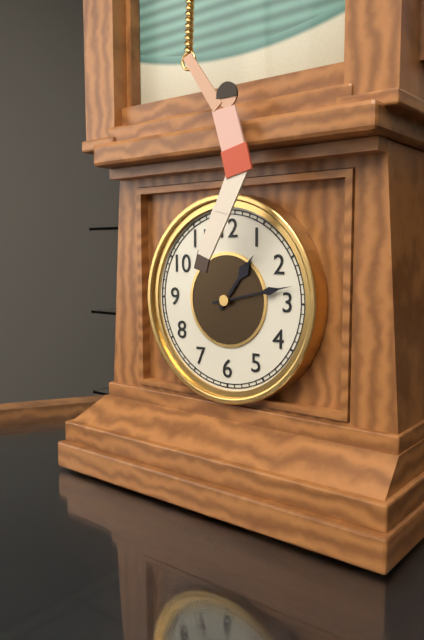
1:13
